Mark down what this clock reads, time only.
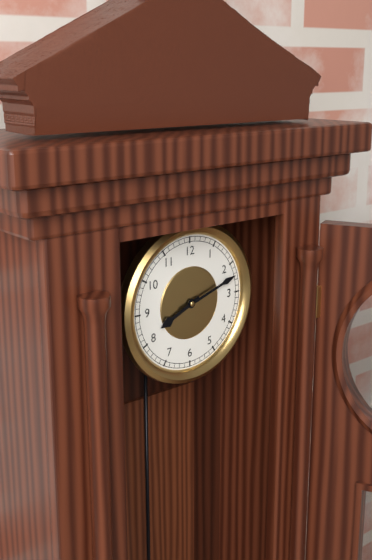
8:12
